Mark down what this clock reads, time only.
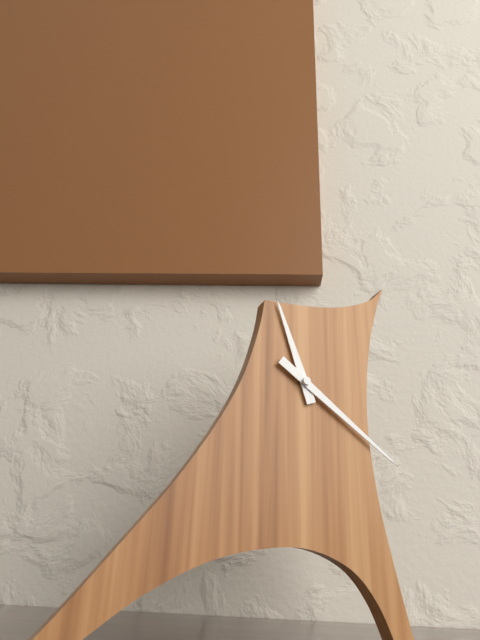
11:21
